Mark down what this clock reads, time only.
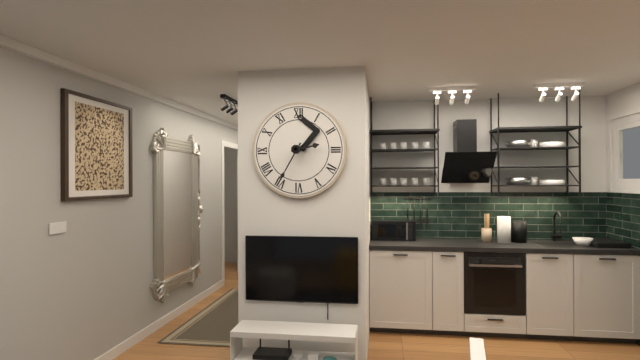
2:35
